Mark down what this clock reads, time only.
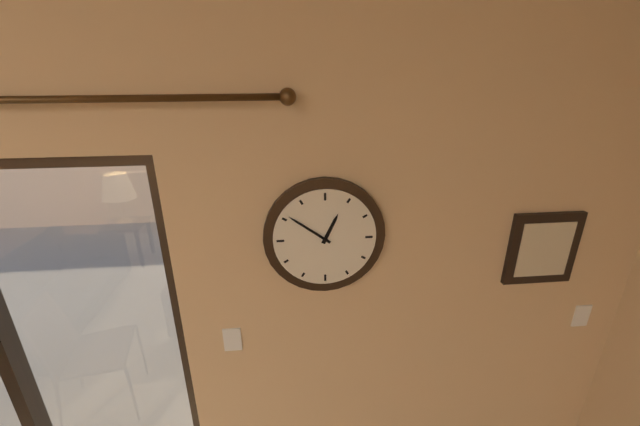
12:51
